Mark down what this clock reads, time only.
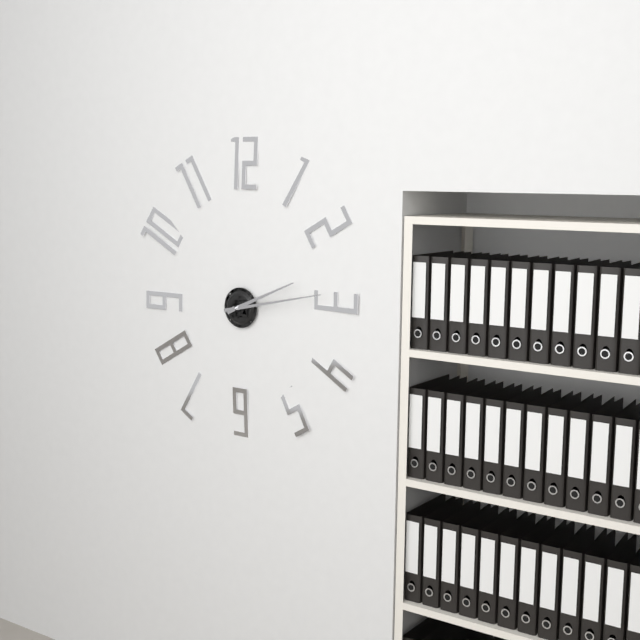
2:13
